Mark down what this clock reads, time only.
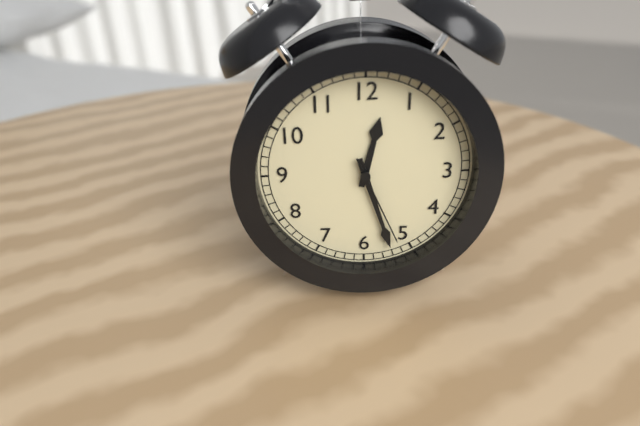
12:27:26
